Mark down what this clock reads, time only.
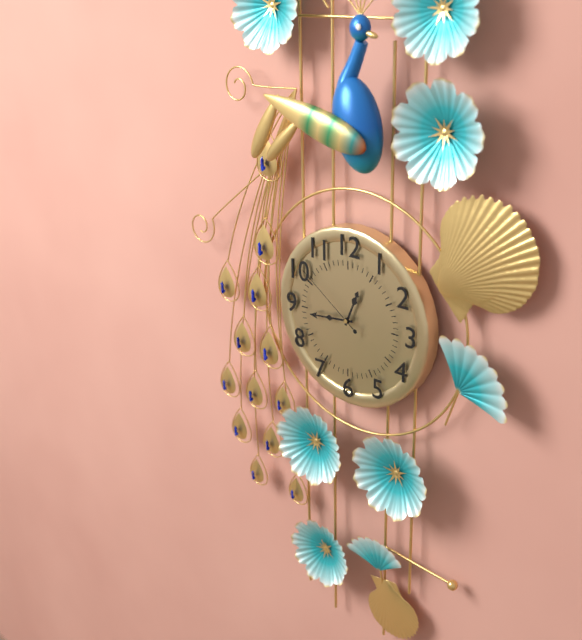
12:44:51
